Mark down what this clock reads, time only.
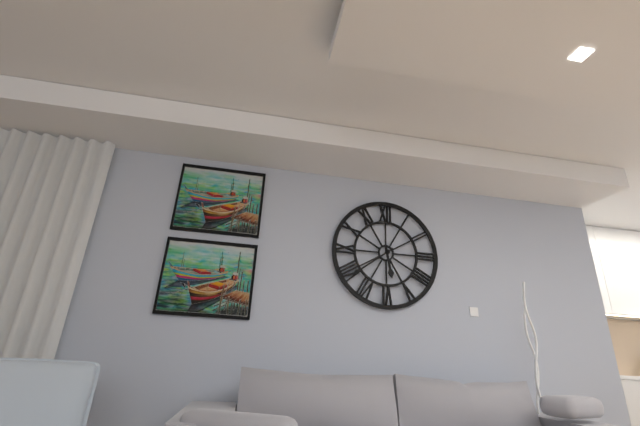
5:39
